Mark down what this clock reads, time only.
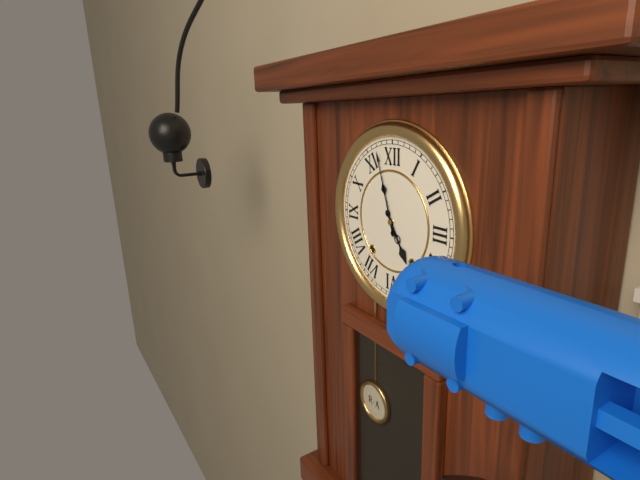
4:57
